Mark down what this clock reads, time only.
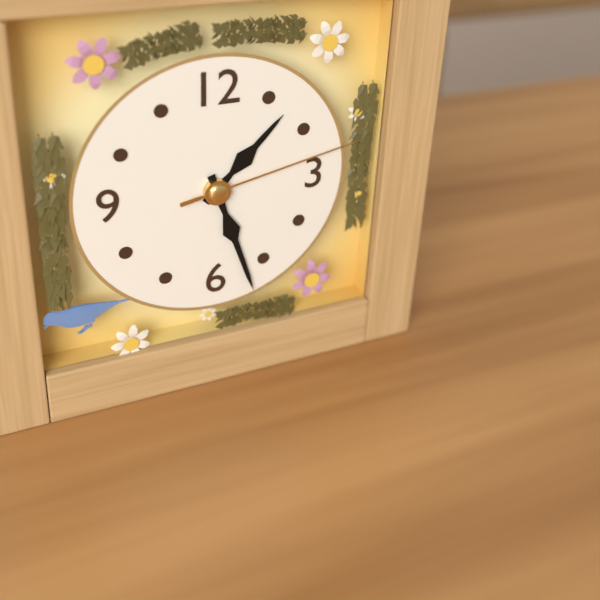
1:27:13
